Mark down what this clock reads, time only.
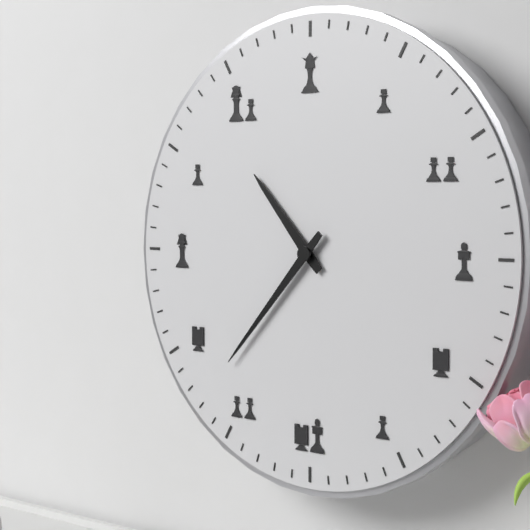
10:37
